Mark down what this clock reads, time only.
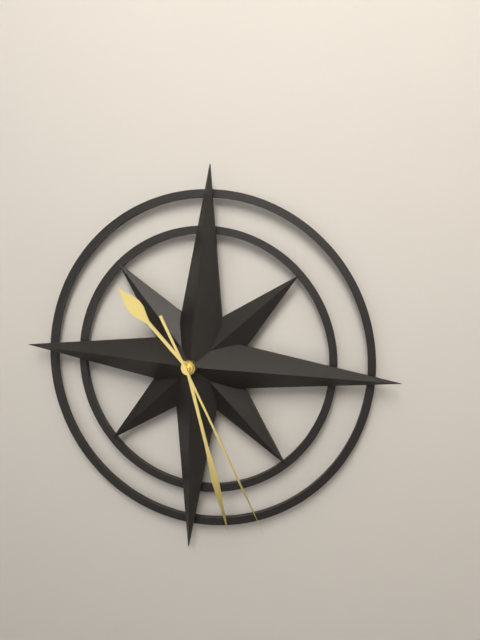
10:27:25
